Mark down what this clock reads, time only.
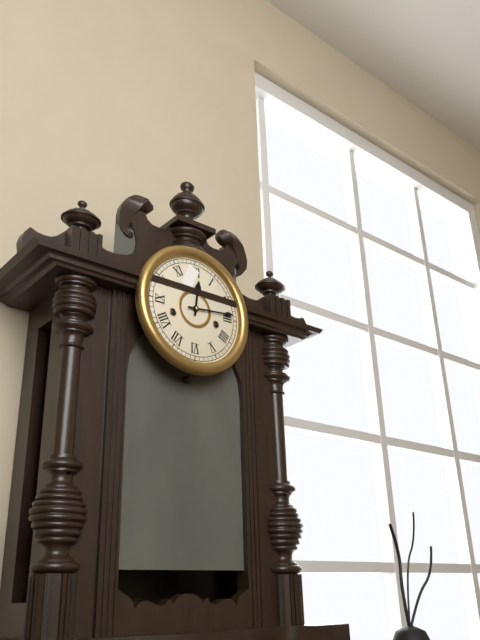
12:14
